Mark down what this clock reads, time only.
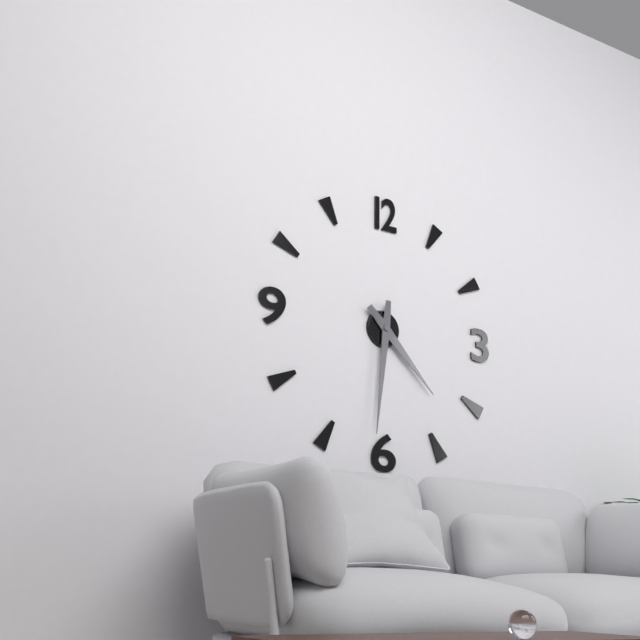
4:31
